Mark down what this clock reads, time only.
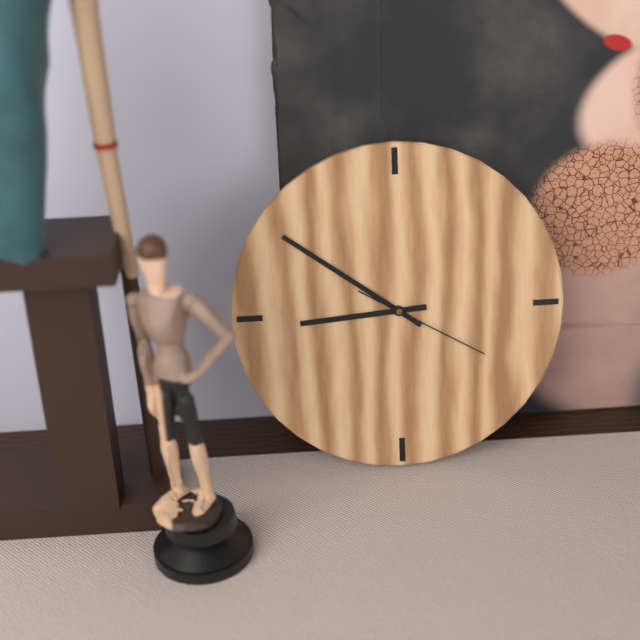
8:51:20
